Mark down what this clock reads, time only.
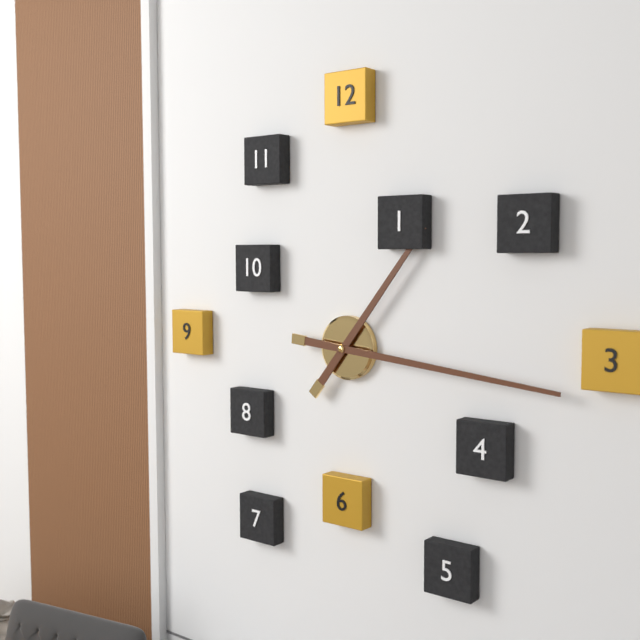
1:16
